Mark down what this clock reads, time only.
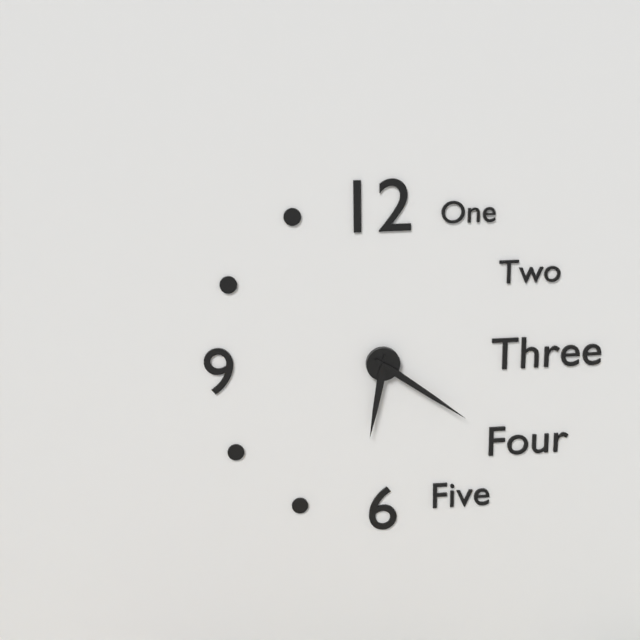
6:21
